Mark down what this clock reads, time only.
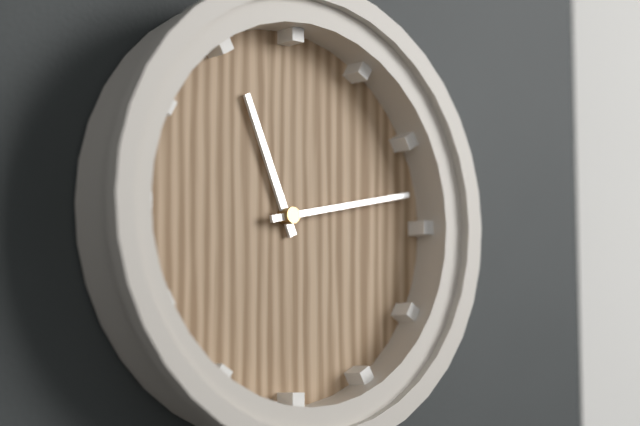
11:13
